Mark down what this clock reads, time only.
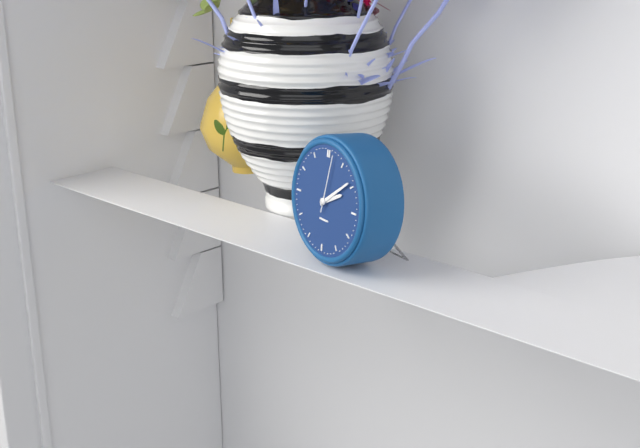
2:09:02
